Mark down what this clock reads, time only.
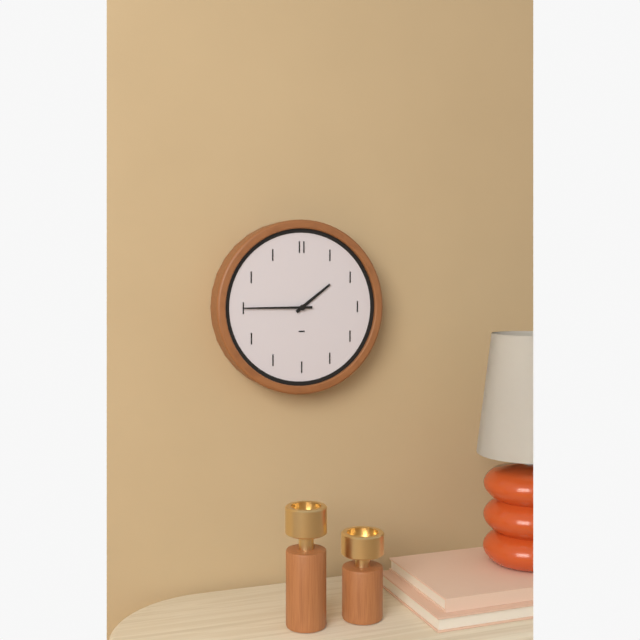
1:45
